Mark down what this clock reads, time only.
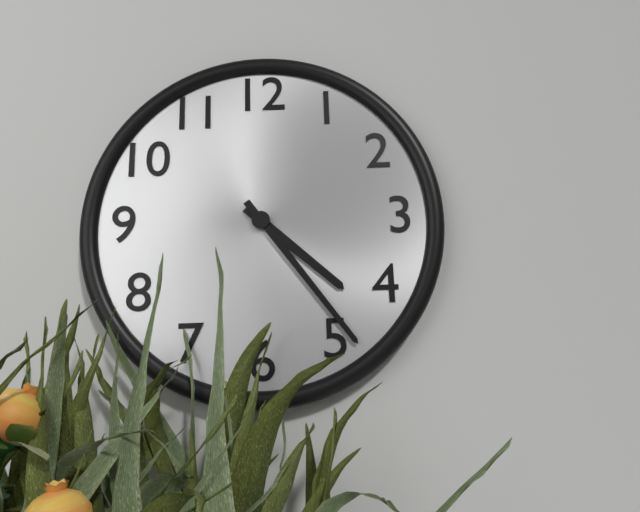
4:24
